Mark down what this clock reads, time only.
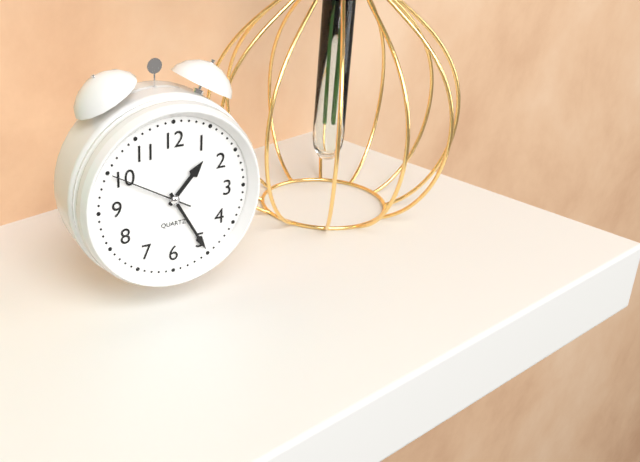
1:25:50
